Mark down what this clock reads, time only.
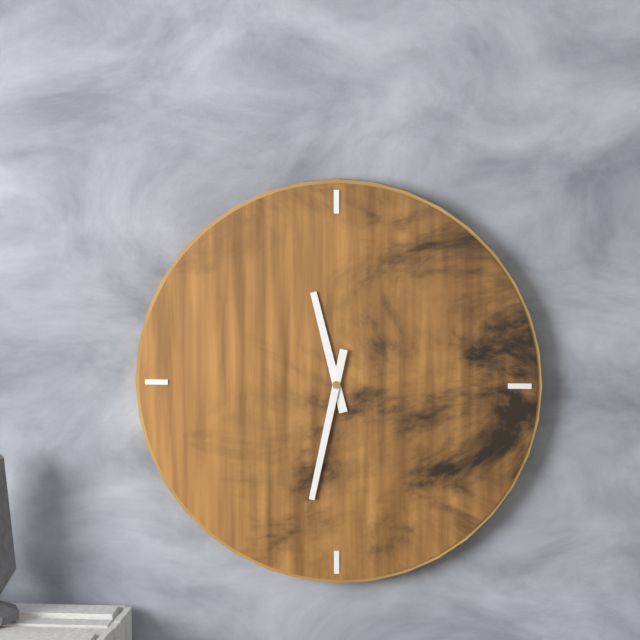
11:32
